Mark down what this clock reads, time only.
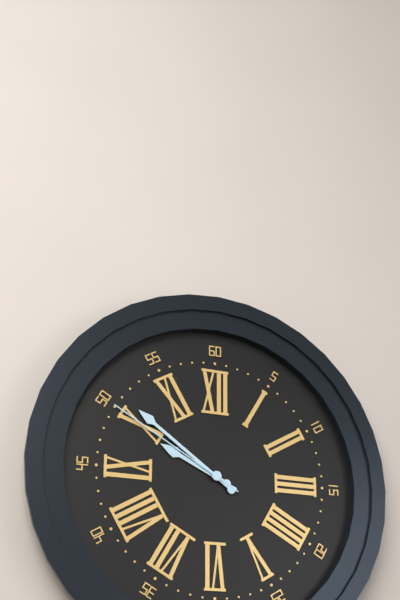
9:51:50
